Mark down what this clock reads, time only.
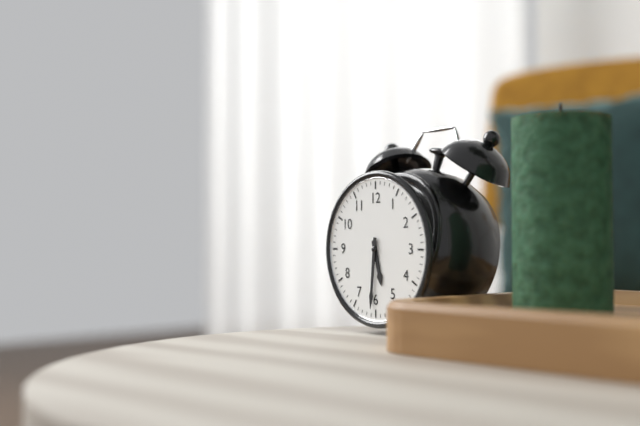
5:31
